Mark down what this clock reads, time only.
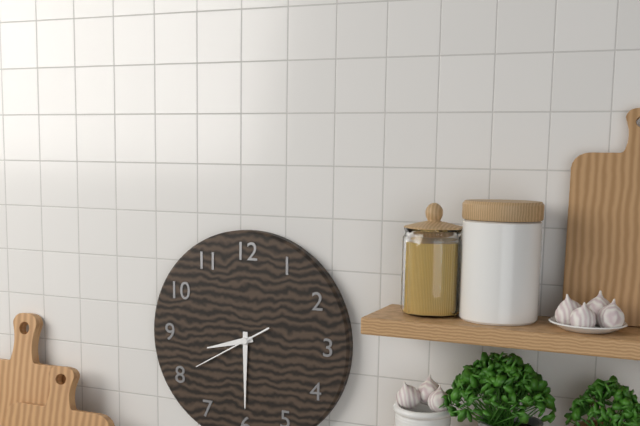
8:30:40
